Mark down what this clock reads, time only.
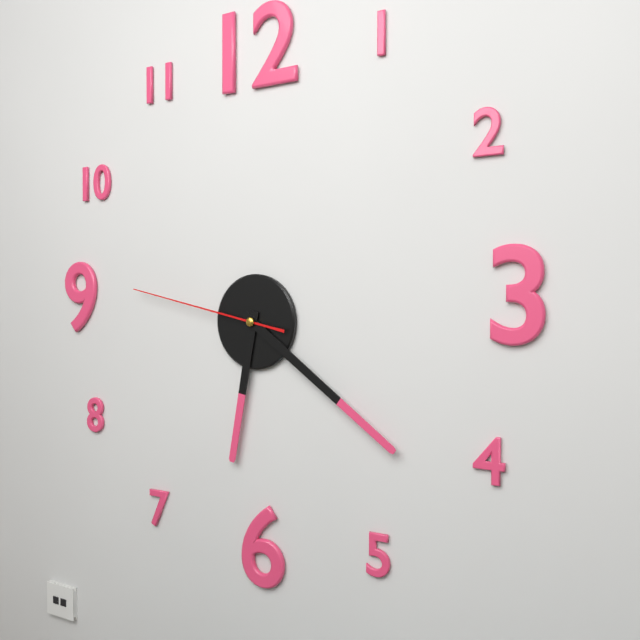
6:21:47
